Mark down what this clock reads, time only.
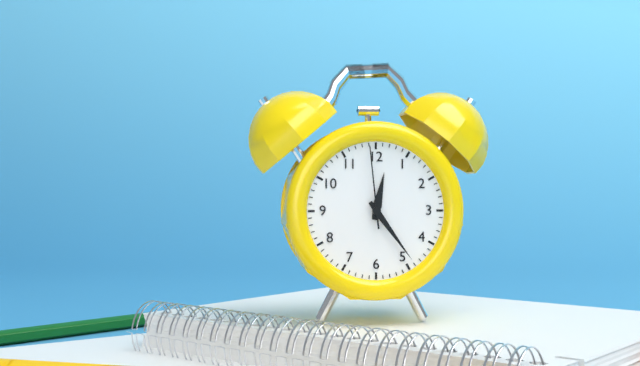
12:24:59
